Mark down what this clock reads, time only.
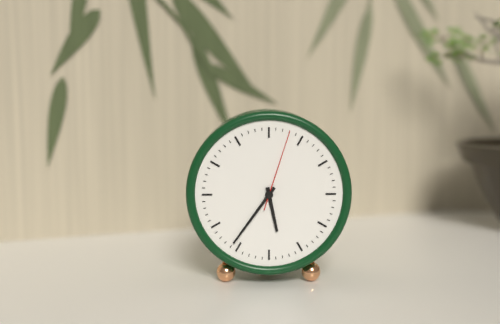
5:36:03
